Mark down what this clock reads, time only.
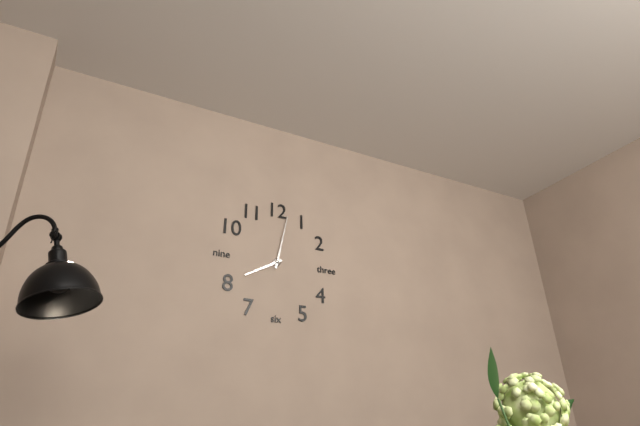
8:02
